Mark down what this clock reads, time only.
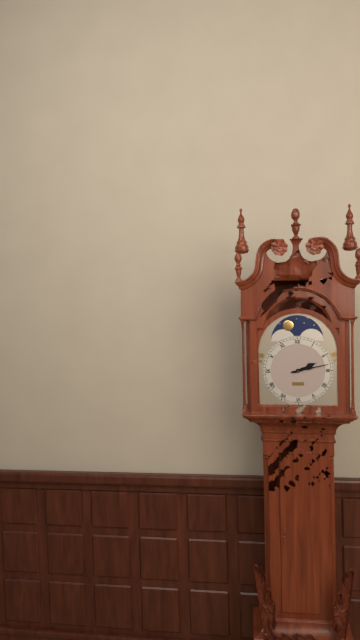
2:13
